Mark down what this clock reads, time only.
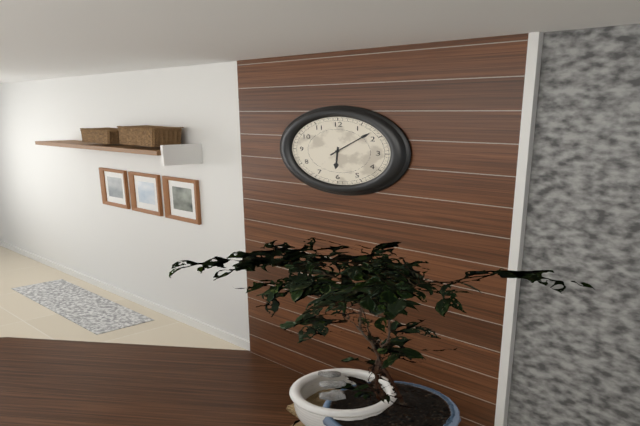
6:08
